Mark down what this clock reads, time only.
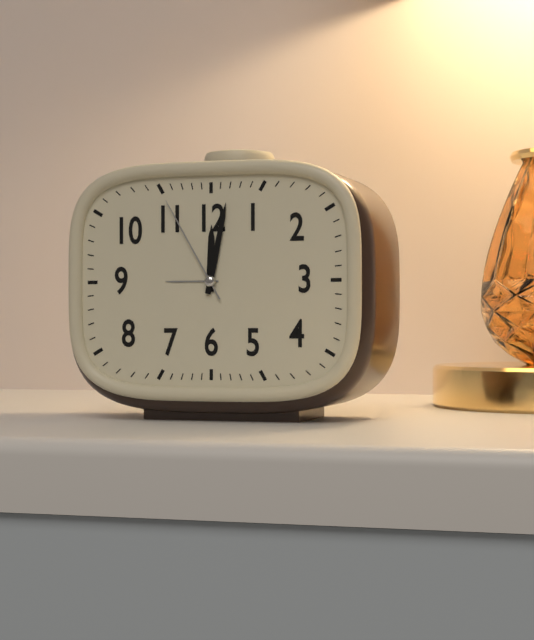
12:02:55
